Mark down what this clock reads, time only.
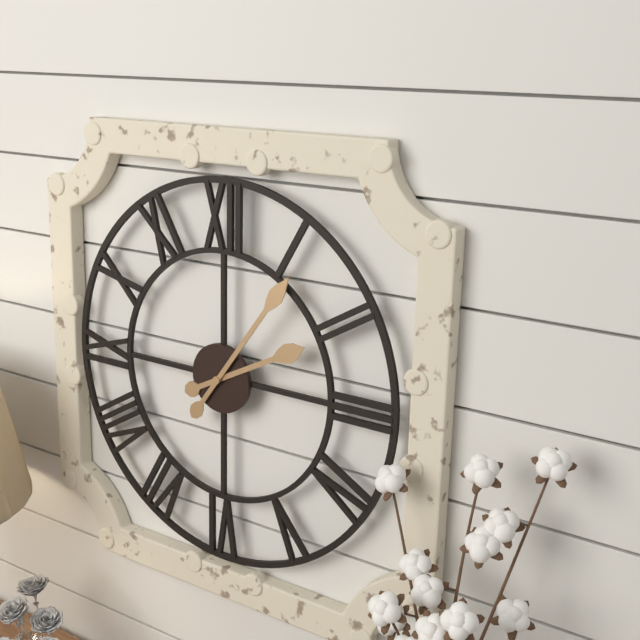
2:06
